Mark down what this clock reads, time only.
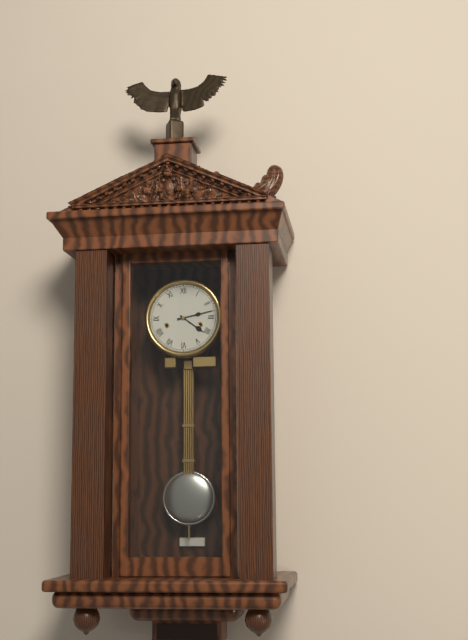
4:13
